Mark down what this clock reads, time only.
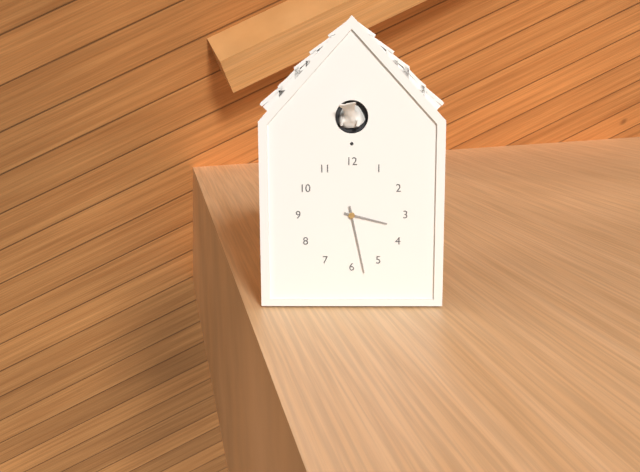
3:28
